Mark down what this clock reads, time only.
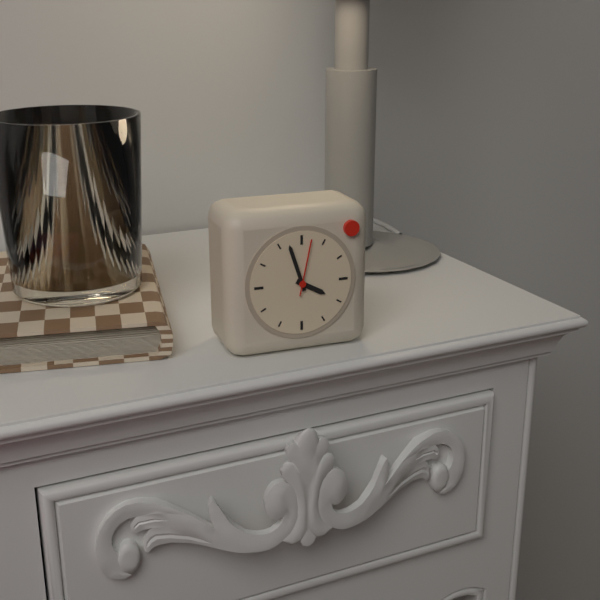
3:57:02
